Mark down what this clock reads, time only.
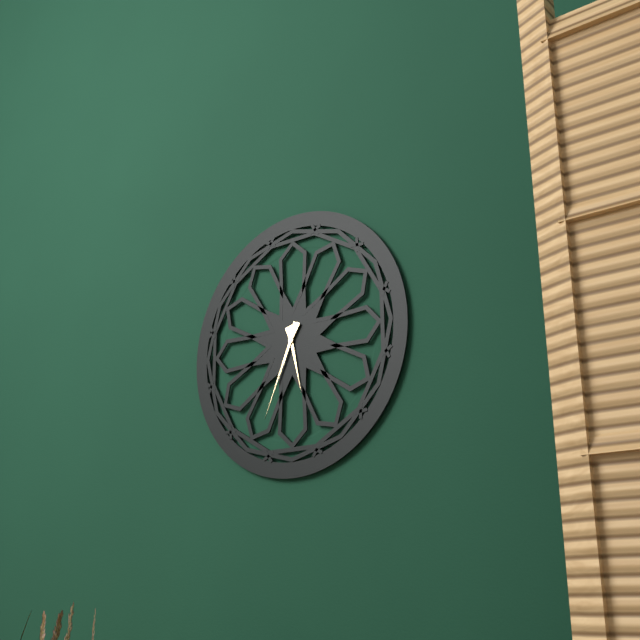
5:34
